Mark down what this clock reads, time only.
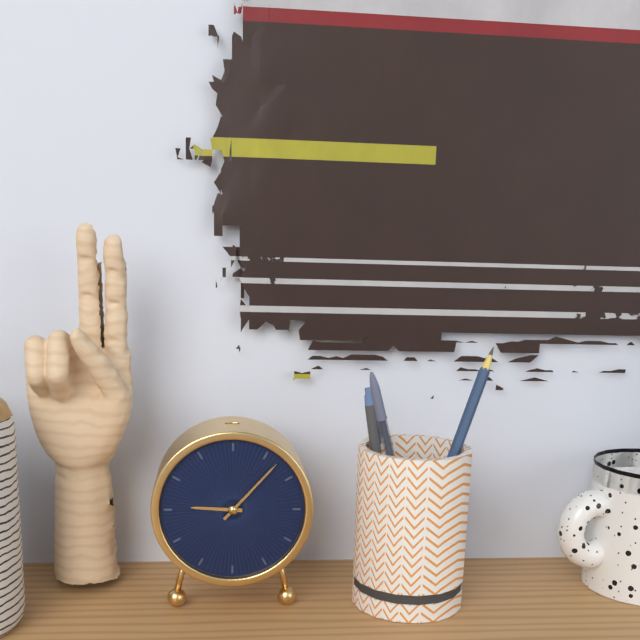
9:07
